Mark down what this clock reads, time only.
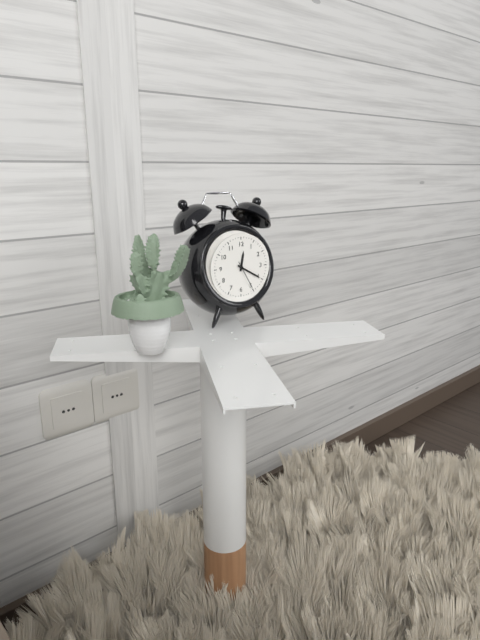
12:20
